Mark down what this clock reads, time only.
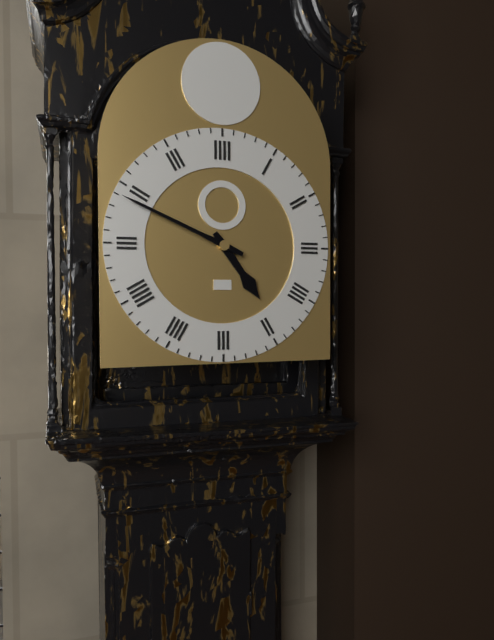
4:49
